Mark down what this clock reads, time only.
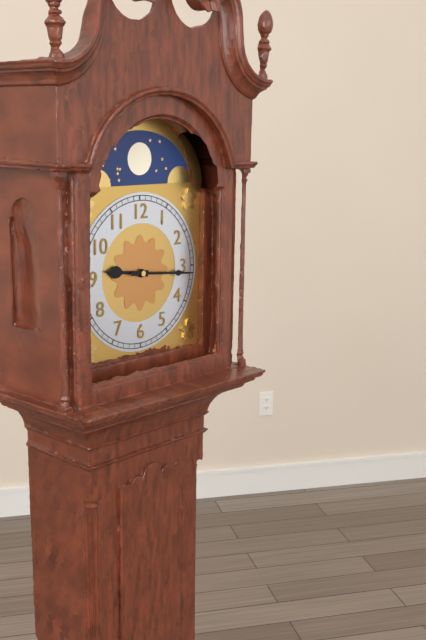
9:16
